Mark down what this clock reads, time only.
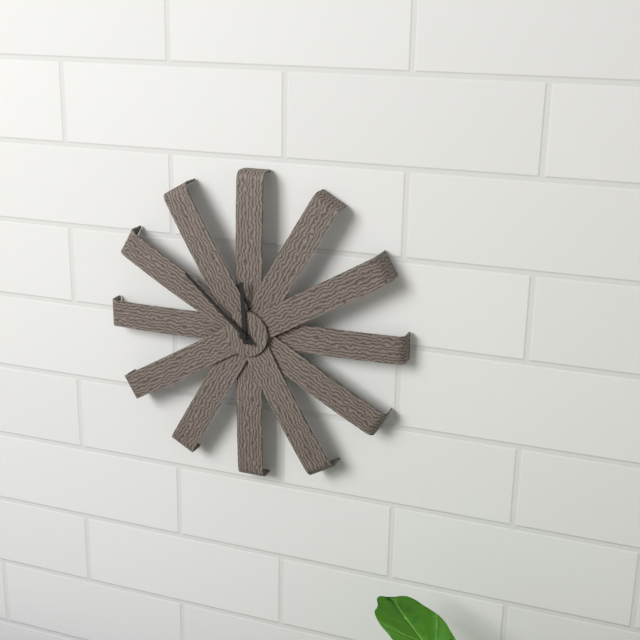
11:52
